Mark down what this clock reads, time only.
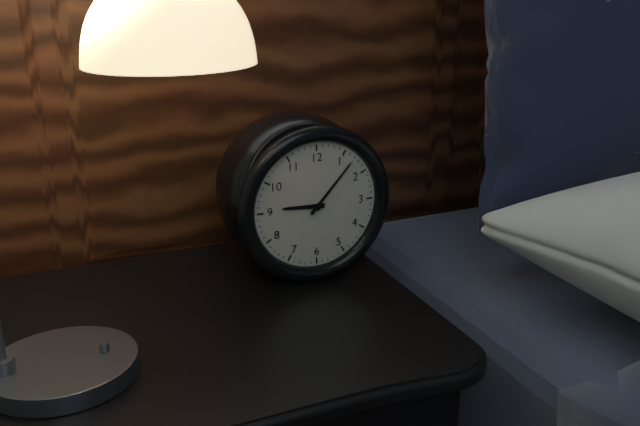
9:07
